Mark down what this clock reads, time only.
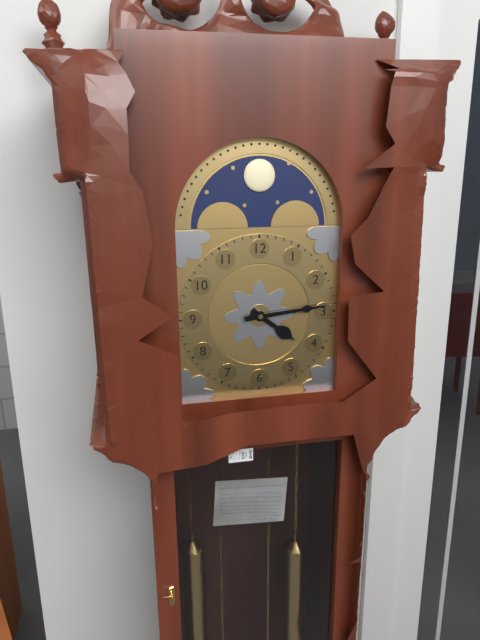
4:14
